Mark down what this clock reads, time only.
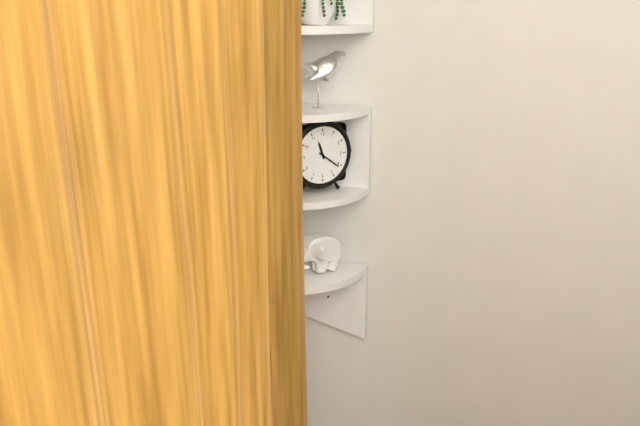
11:21
